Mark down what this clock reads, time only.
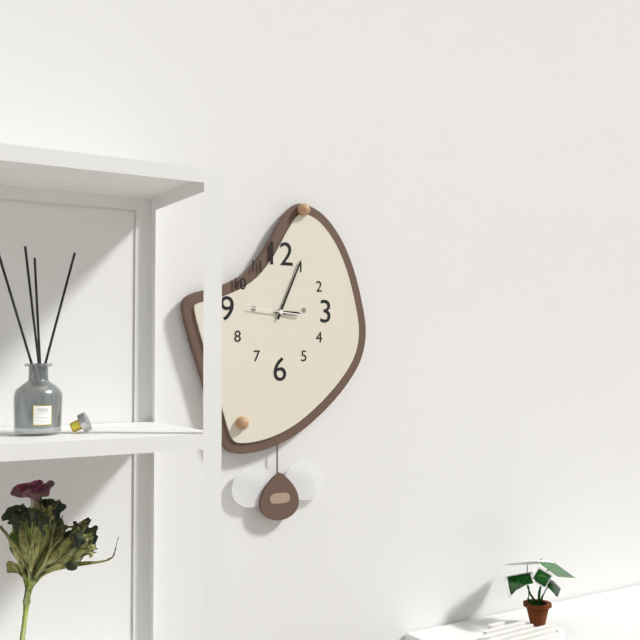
3:04
